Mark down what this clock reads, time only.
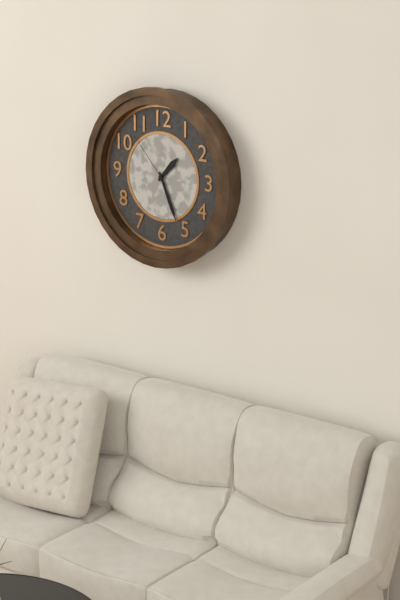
1:26:53
